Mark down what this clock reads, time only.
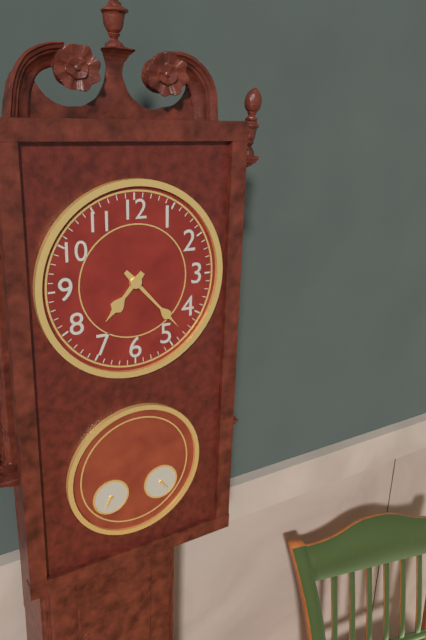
7:23
